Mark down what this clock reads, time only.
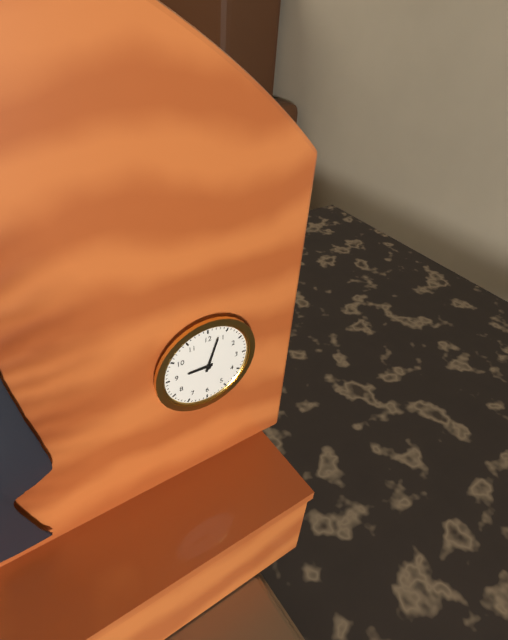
9:03
